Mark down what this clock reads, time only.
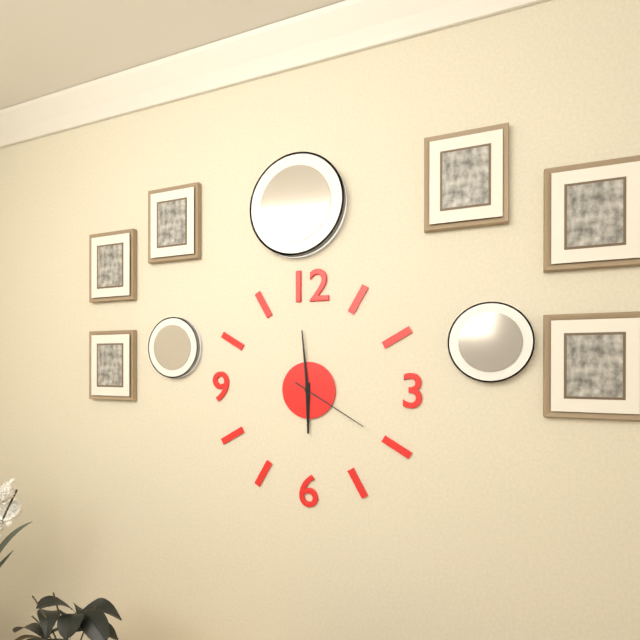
5:59:20
